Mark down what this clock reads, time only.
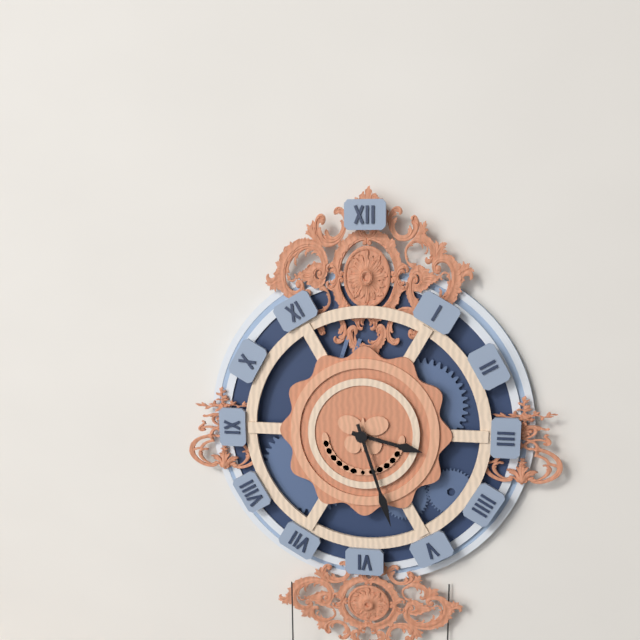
3:27
